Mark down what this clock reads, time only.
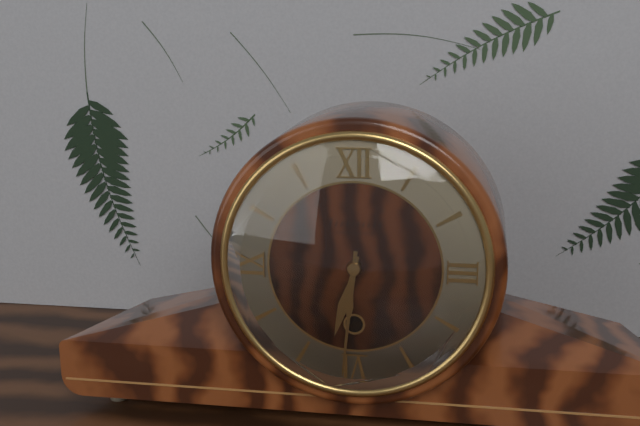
6:31
